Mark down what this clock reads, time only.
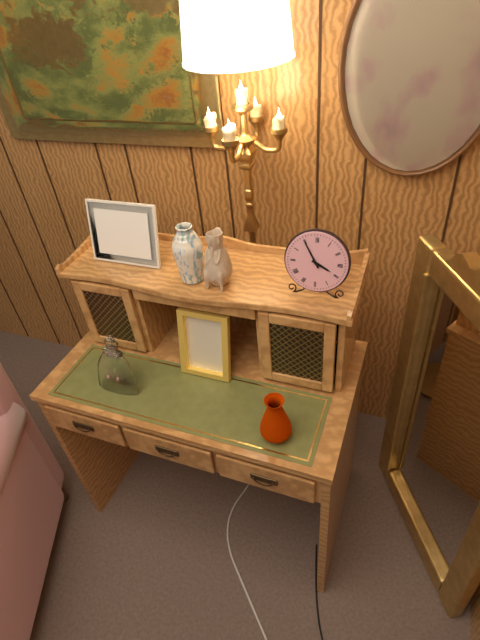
3:55
